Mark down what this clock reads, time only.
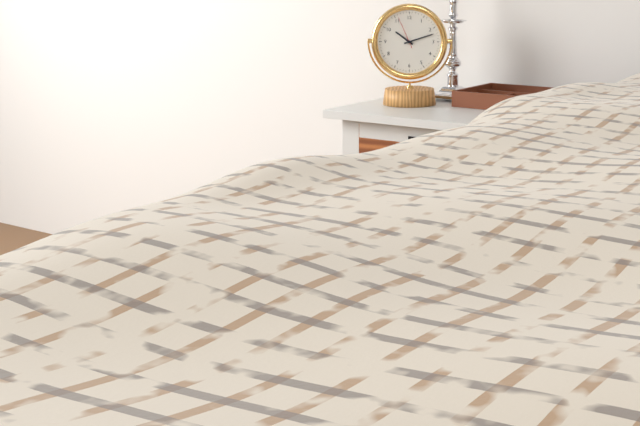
10:12
